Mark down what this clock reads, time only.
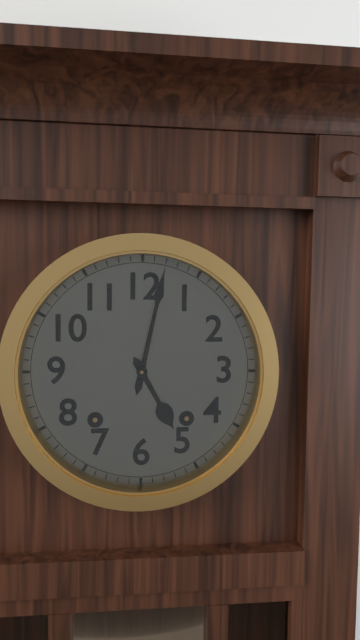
5:02
